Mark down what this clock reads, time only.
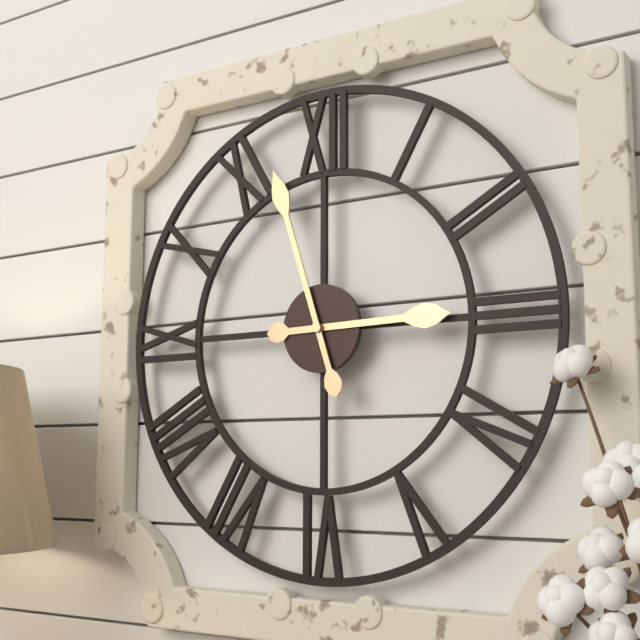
2:57
